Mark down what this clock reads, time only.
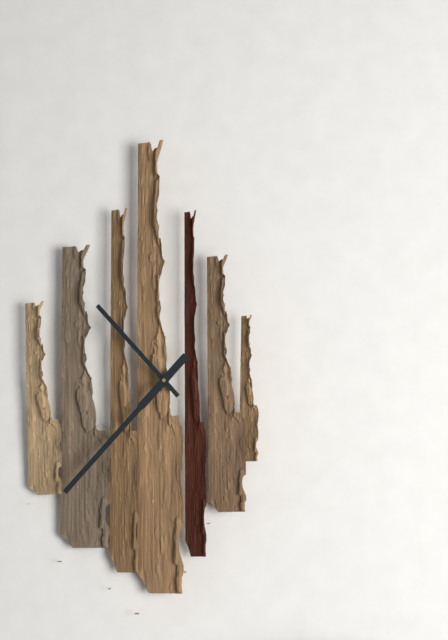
10:37
